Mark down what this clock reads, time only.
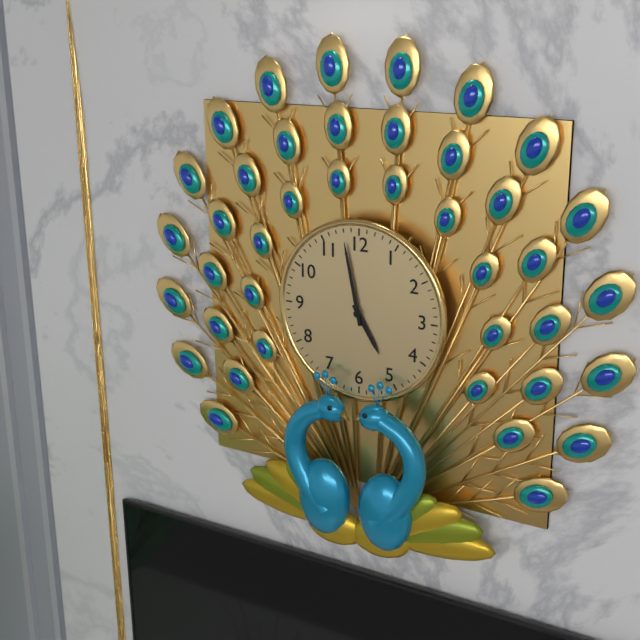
4:58
